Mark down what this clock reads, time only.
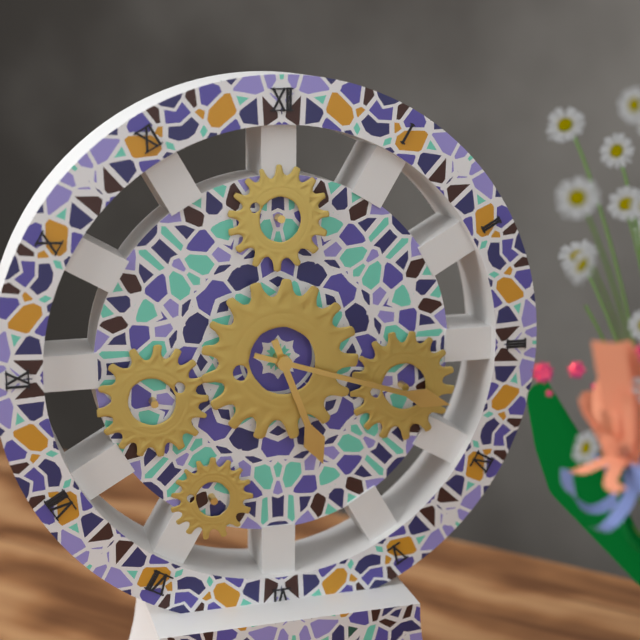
5:18
